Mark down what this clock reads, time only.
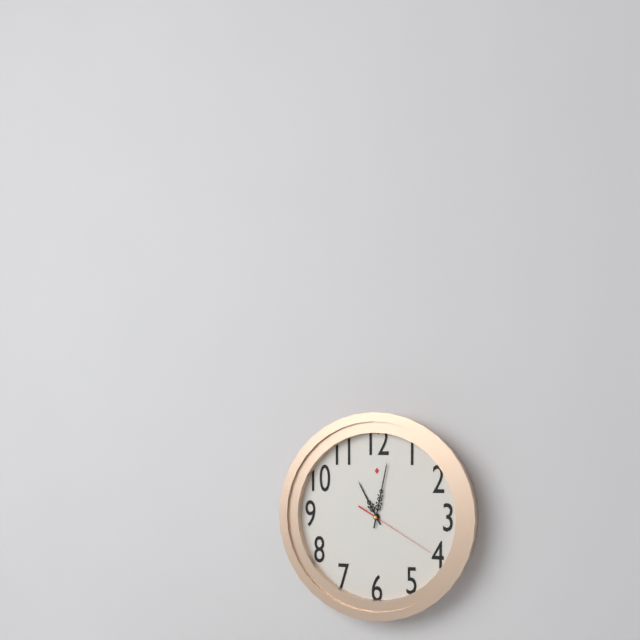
11:02:20
